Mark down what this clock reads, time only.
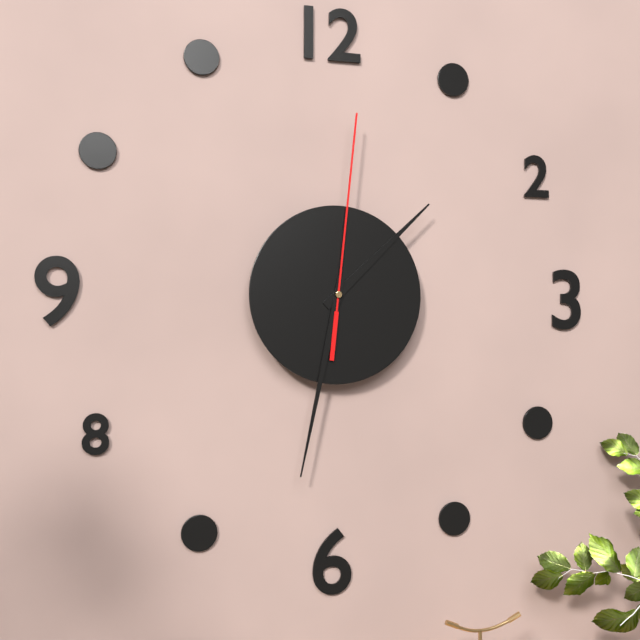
1:32:01
